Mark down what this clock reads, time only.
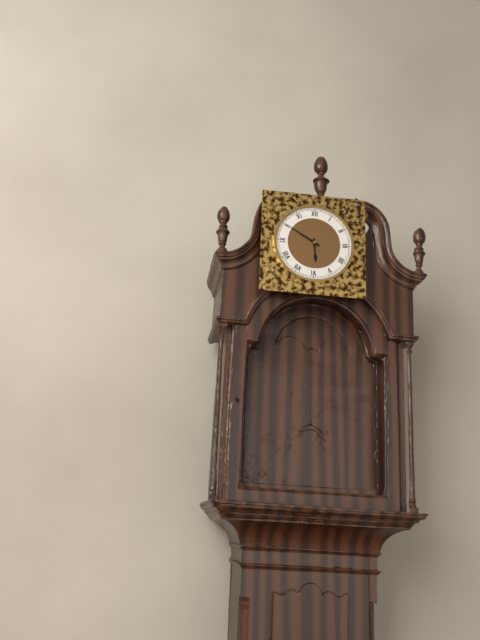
5:50
